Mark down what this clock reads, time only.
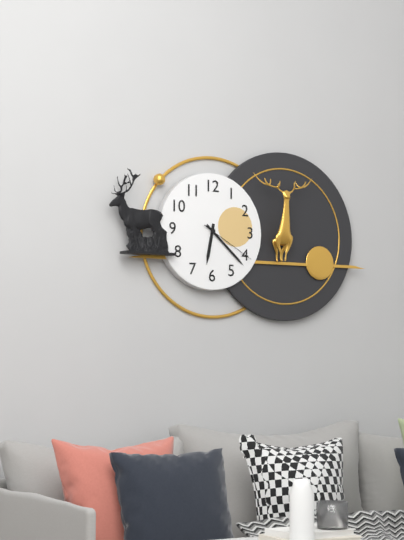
6:22:20
